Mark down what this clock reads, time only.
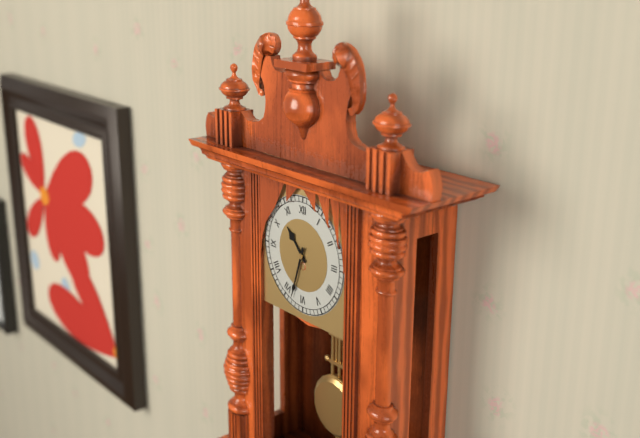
10:33
